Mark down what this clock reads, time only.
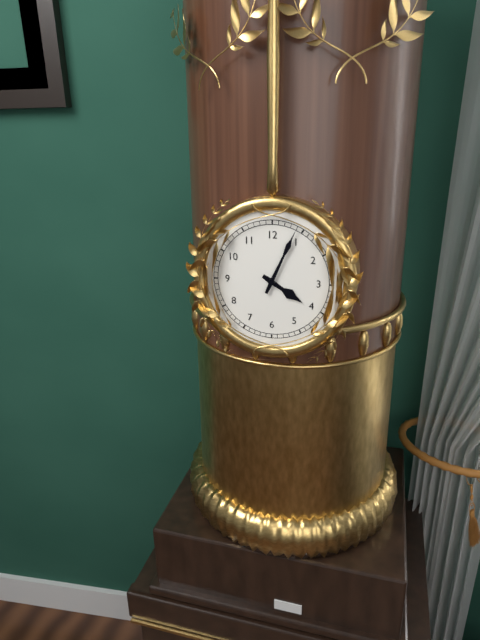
4:04
